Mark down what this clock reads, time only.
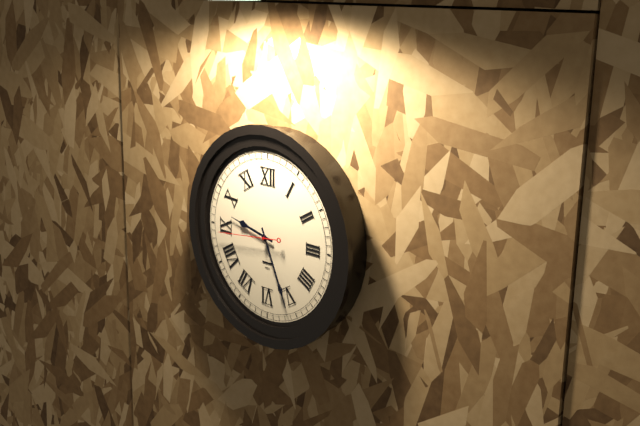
9:26:44
